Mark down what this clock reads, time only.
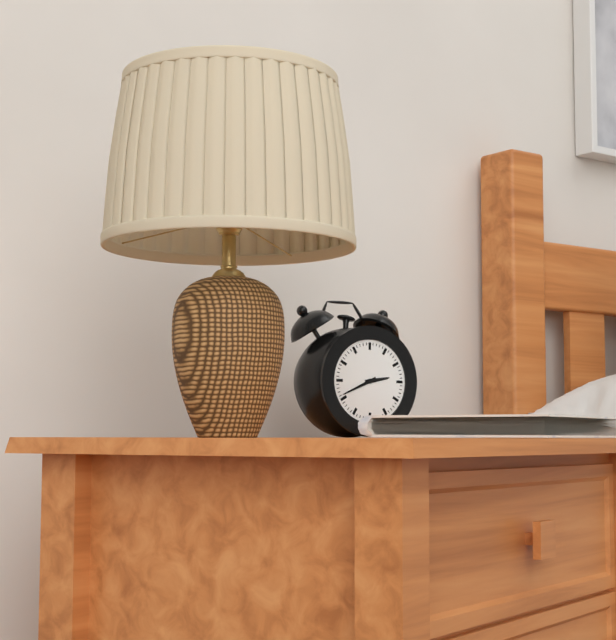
2:41
